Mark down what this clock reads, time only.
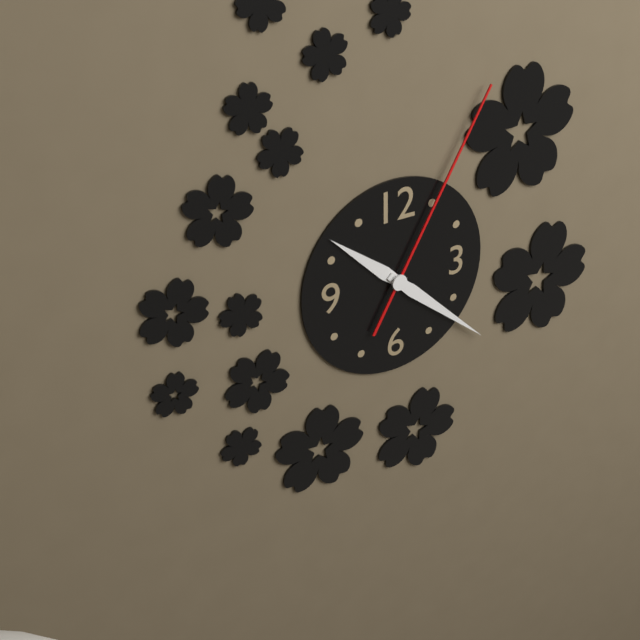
10:22:05
